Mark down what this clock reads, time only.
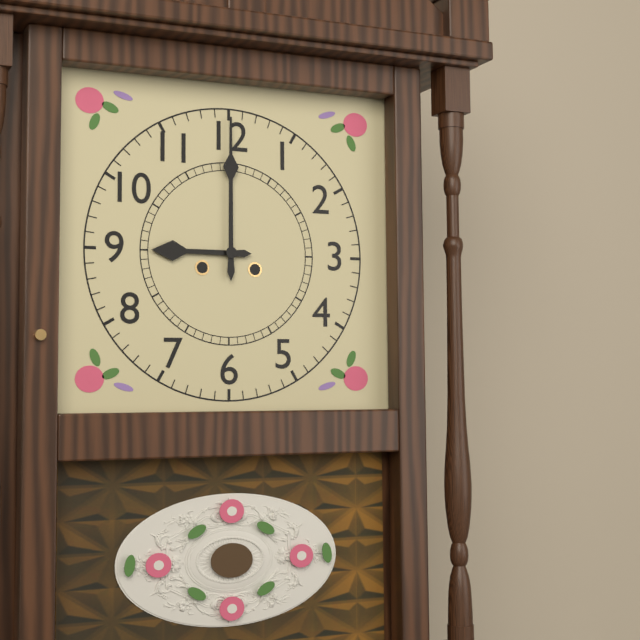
9:00
